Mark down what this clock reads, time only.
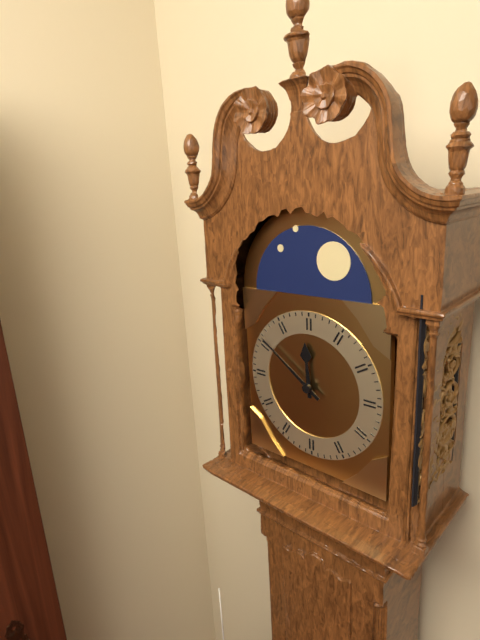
11:51
